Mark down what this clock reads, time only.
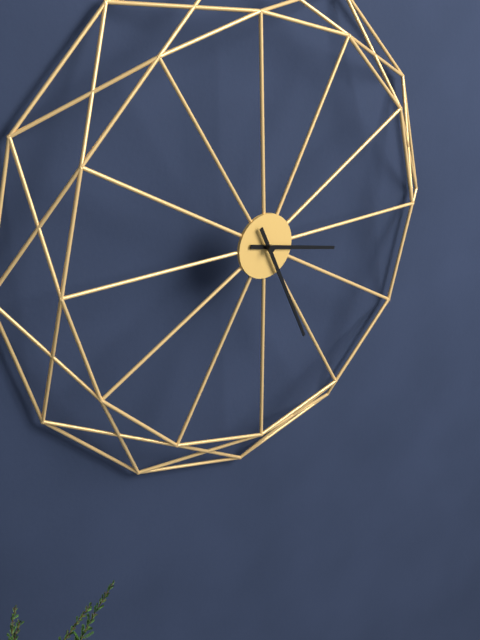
3:26
